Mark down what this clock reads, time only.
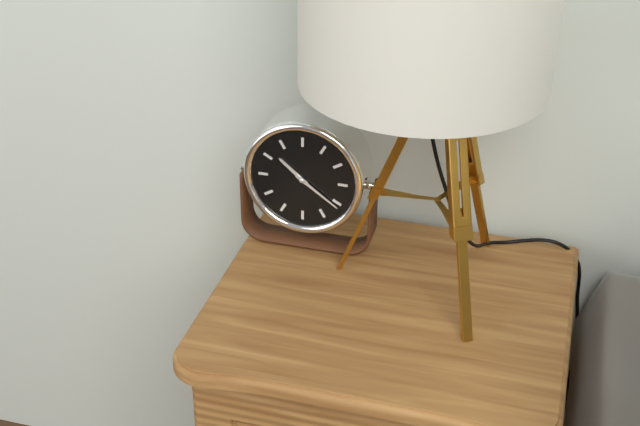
10:21
